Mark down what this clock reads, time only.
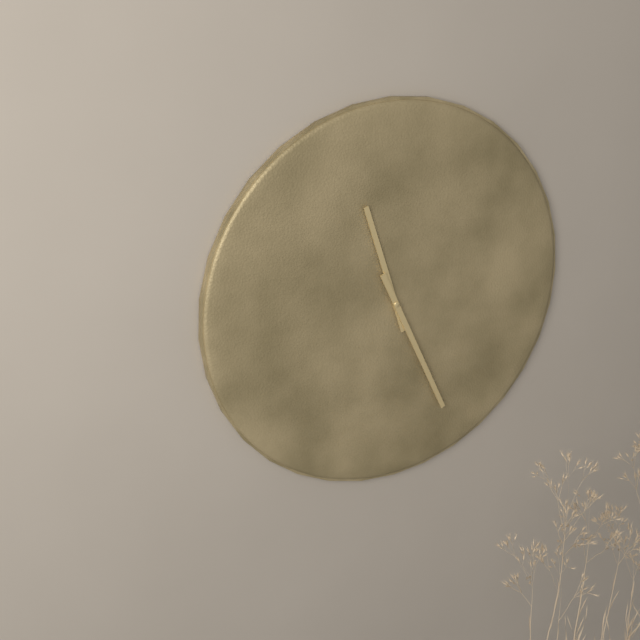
11:26
